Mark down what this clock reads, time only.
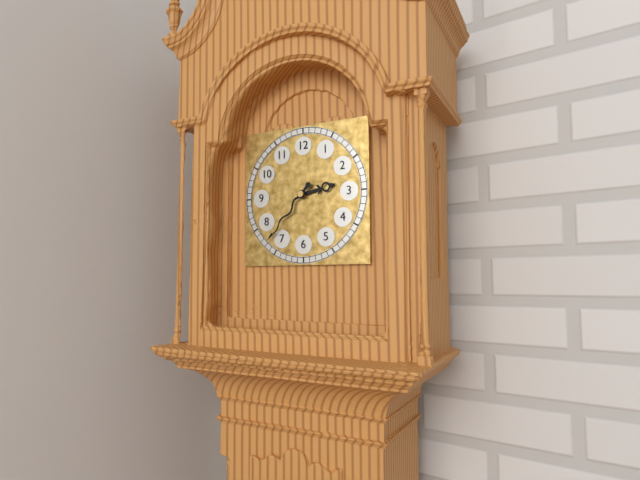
2:37
